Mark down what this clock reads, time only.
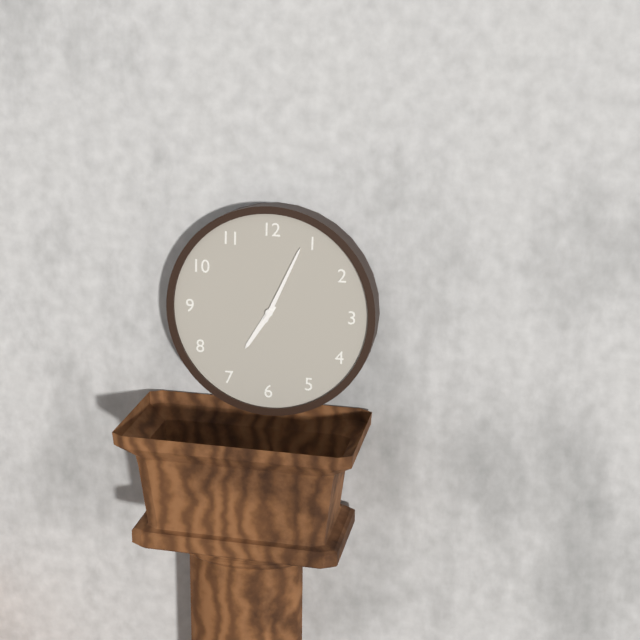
7:04
